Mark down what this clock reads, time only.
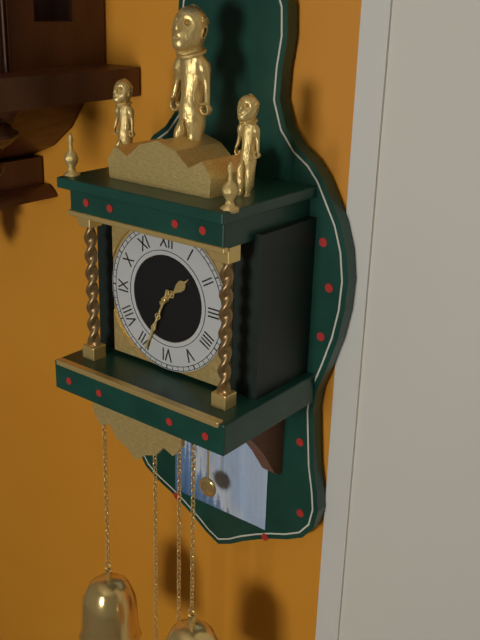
1:34
